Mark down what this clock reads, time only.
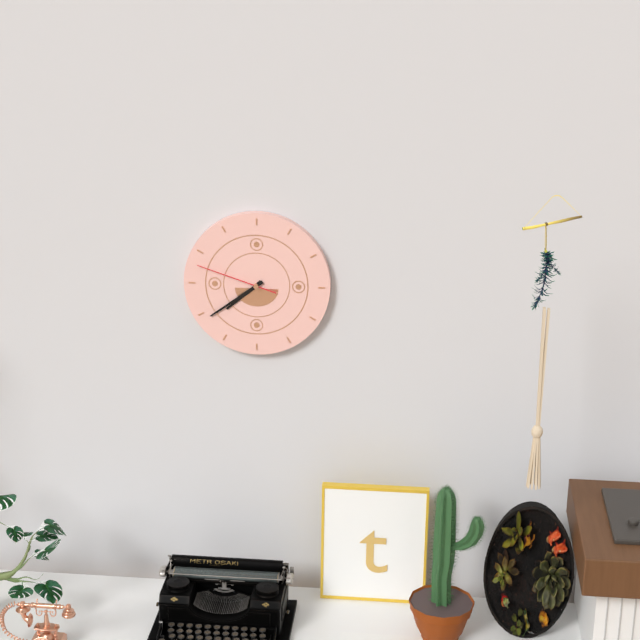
7:39:48
